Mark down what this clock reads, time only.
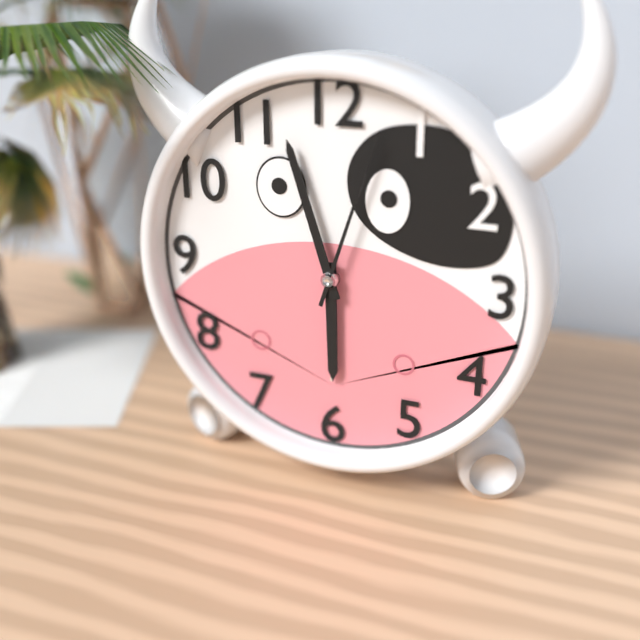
5:57:03
